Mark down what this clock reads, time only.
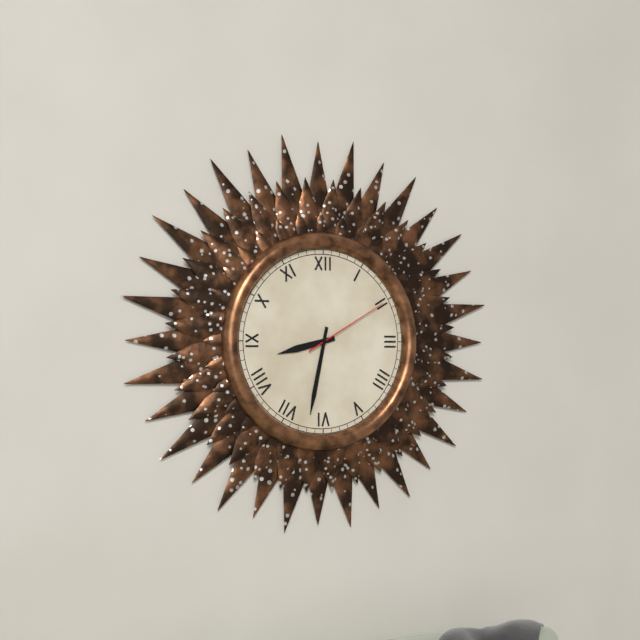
8:32:10
